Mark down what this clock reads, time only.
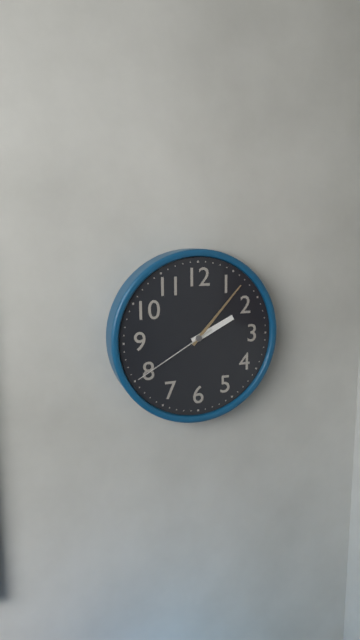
2:07:40
